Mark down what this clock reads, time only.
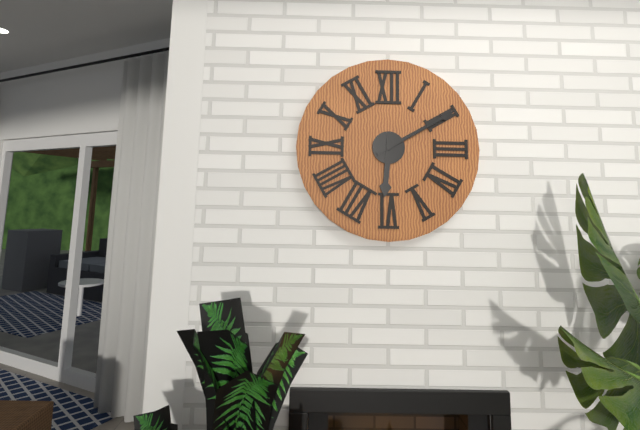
6:10
